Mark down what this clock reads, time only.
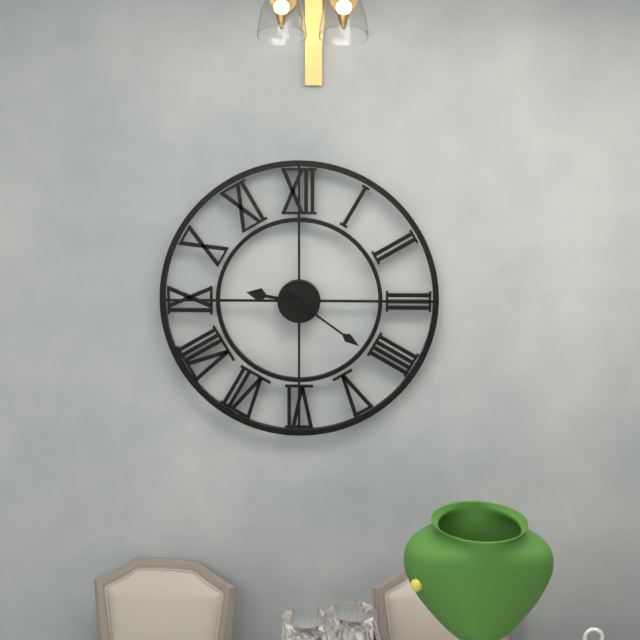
9:21
